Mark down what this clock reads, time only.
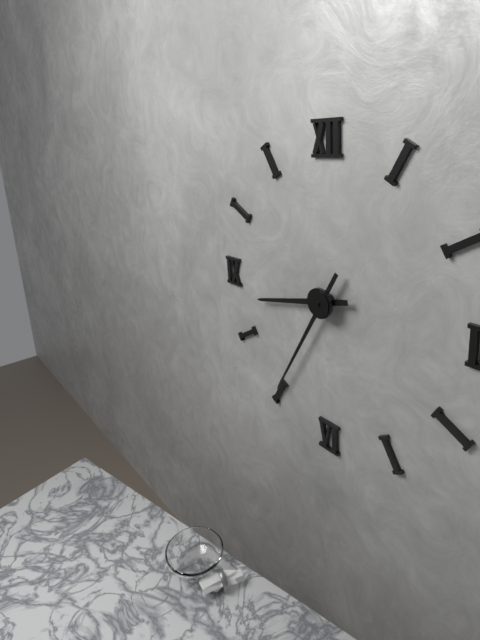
8:35
